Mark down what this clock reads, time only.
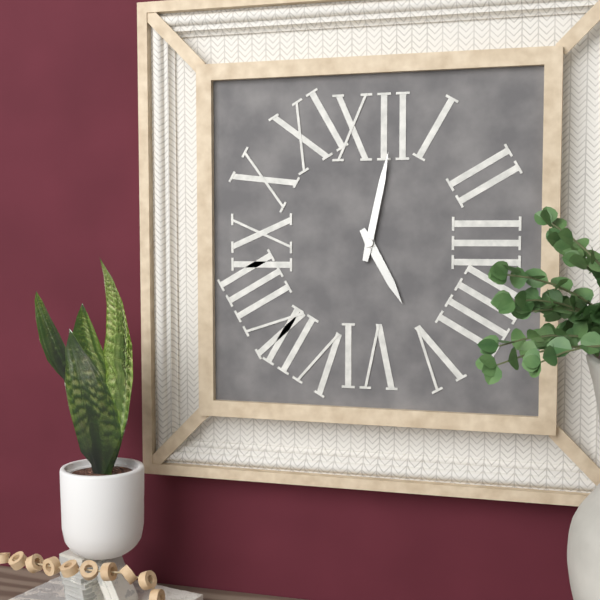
5:02
